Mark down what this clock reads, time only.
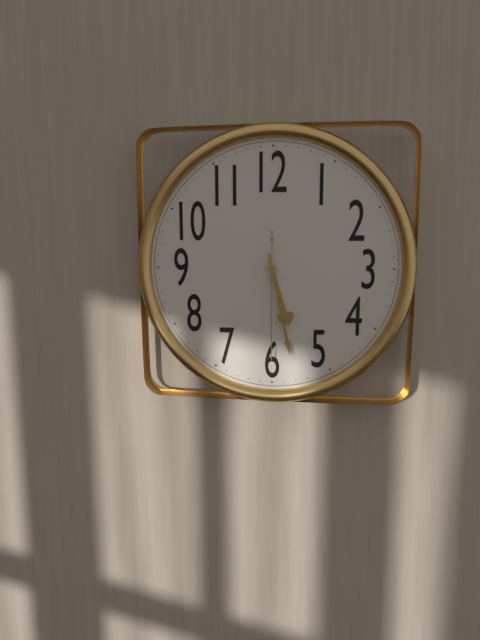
5:28:30
